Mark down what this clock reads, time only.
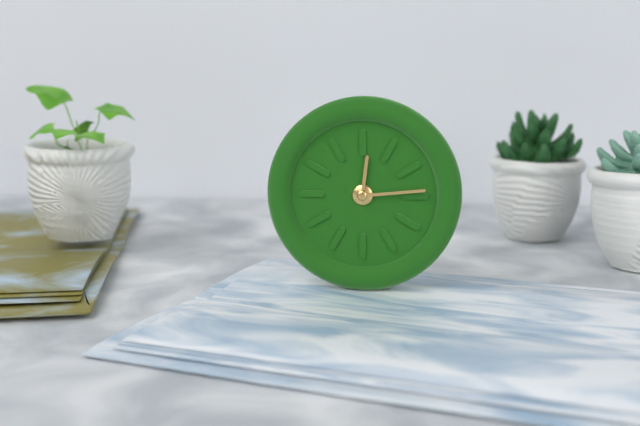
12:14
